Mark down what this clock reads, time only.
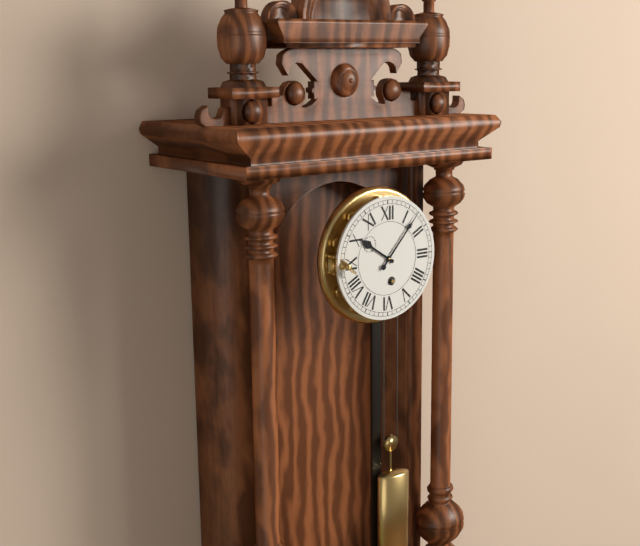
10:07
